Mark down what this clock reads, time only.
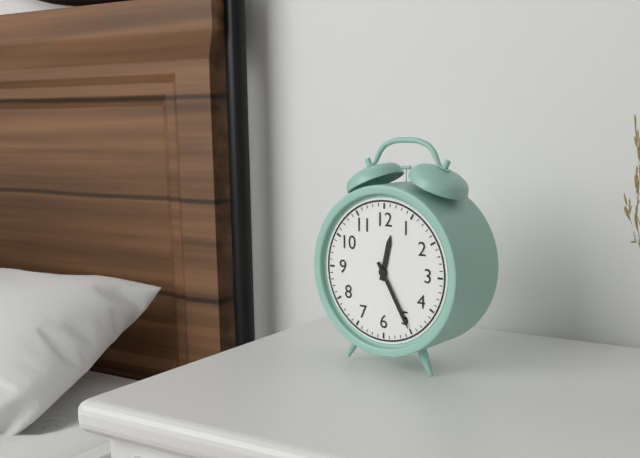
12:25
